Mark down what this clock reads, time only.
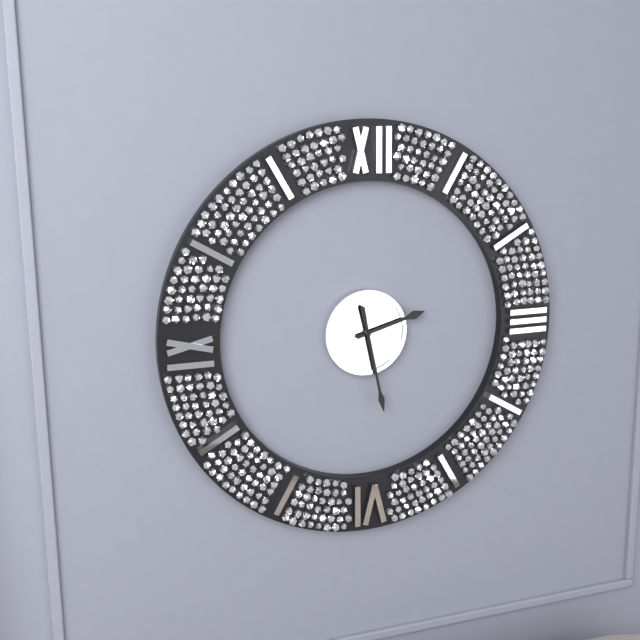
2:28
